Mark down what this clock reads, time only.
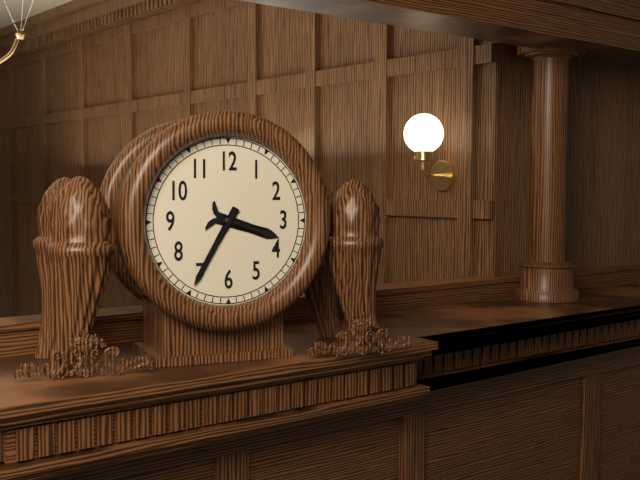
3:35
